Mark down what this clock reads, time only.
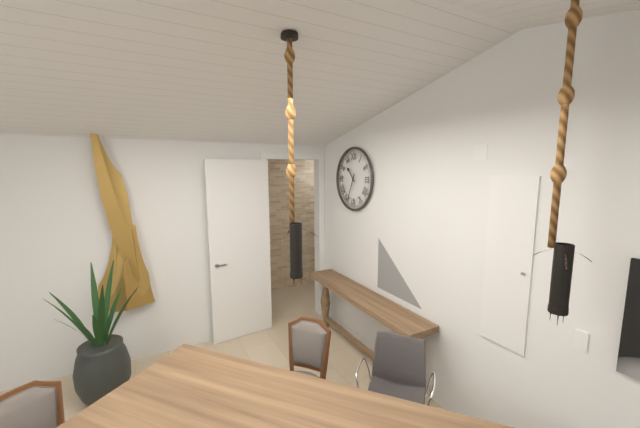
10:34
